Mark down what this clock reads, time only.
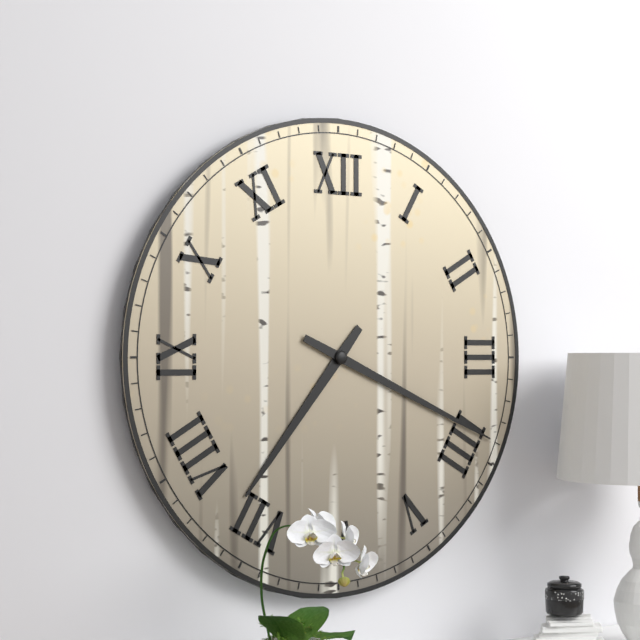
7:19
